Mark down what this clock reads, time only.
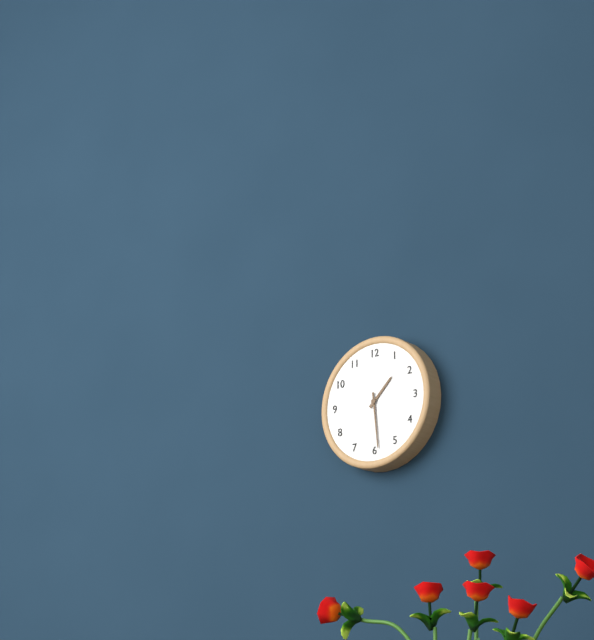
1:29
